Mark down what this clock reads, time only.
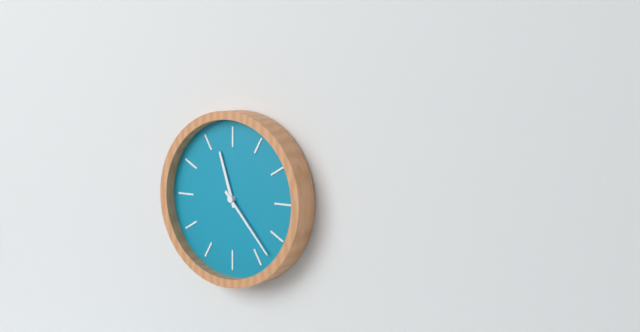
11:23
